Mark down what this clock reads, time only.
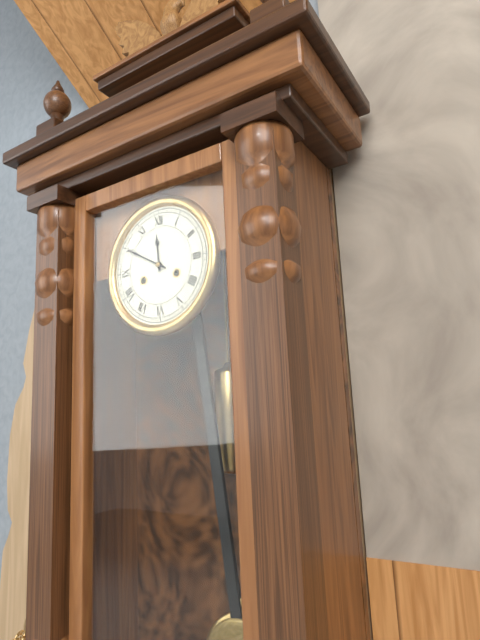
11:50
